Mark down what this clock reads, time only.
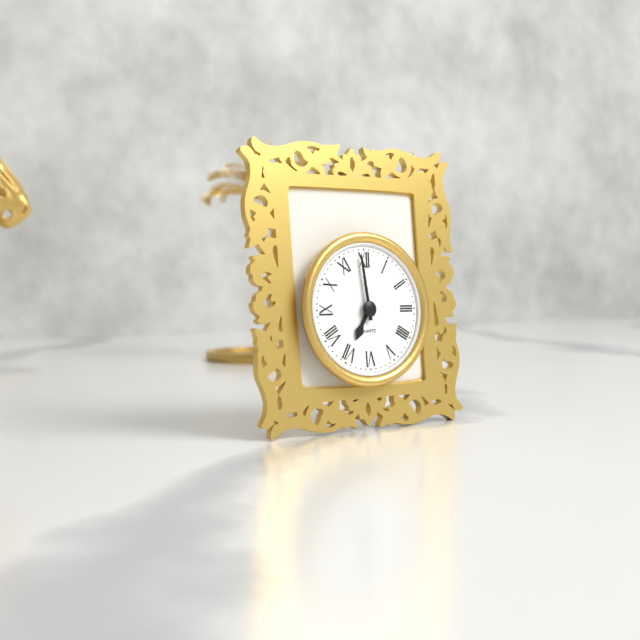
6:59
